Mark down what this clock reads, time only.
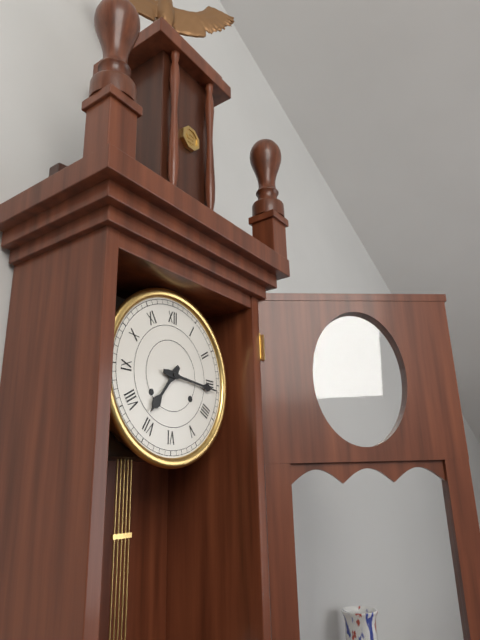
7:16
